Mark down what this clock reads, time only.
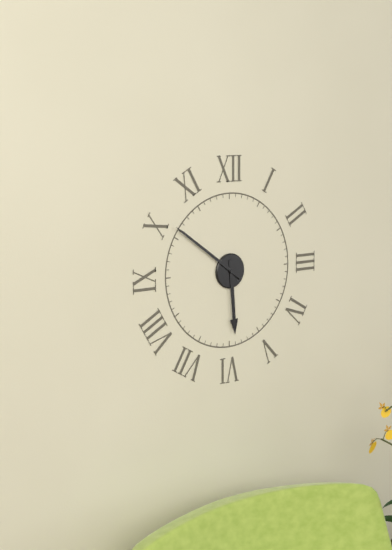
5:51
